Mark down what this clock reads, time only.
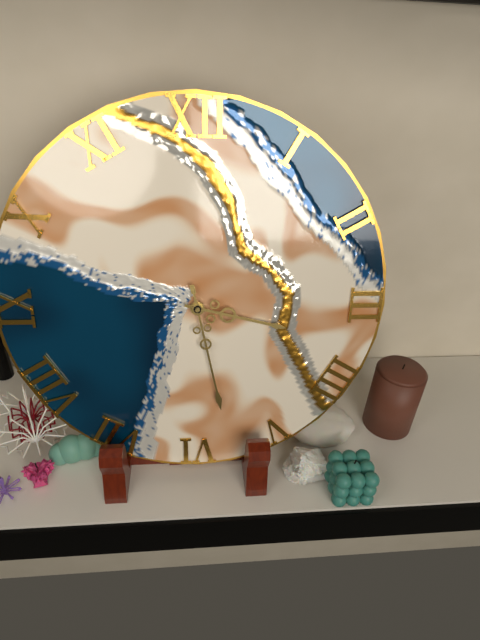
3:28
